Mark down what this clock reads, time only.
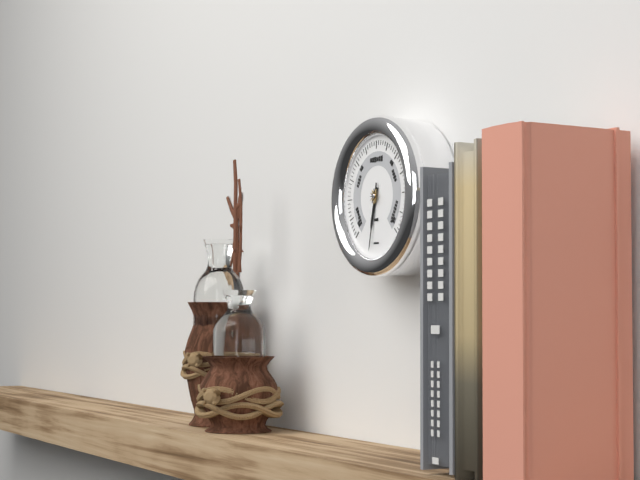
6:32
